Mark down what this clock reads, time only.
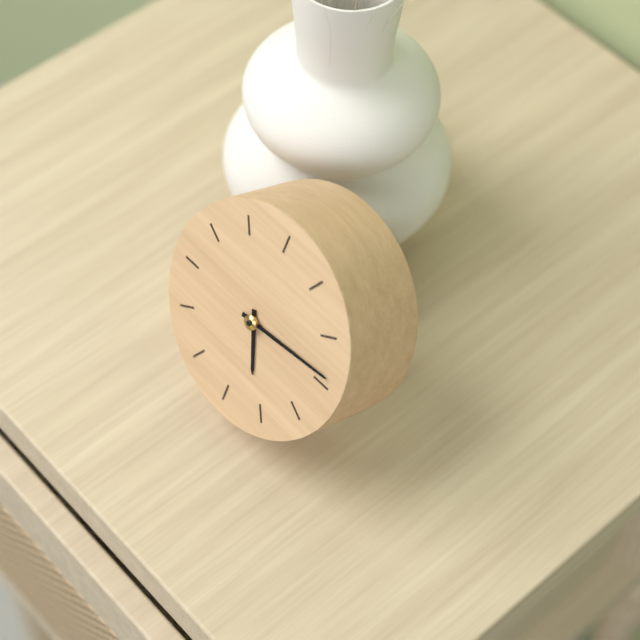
5:14
